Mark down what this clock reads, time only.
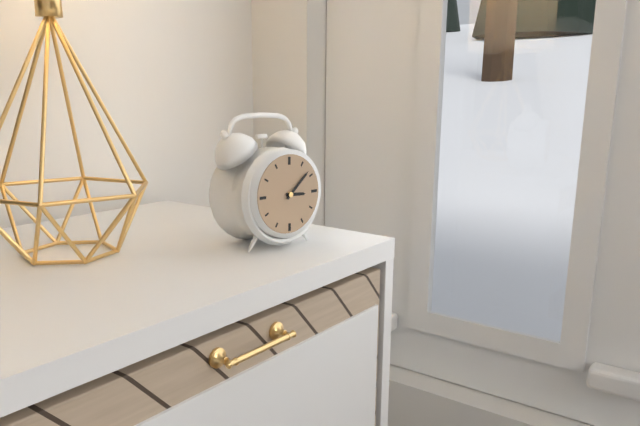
3:08
